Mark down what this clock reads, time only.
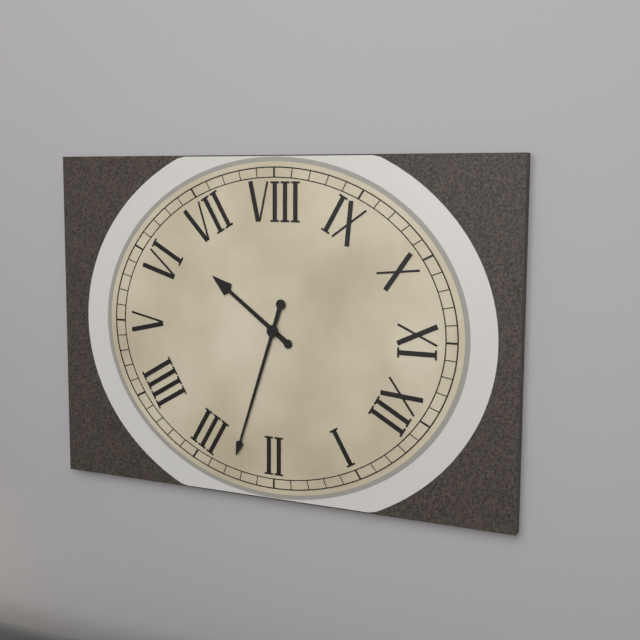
6:13
